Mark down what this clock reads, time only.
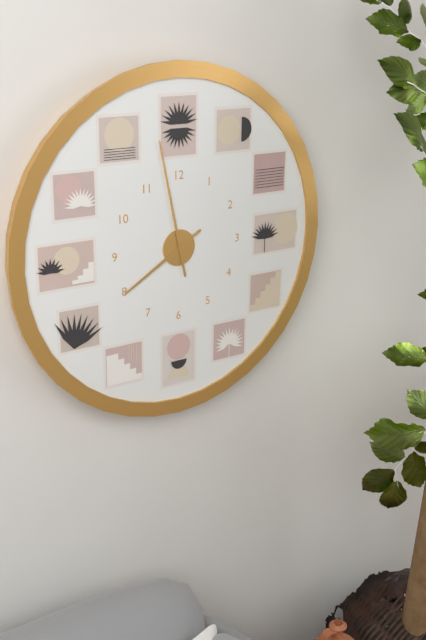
7:58
